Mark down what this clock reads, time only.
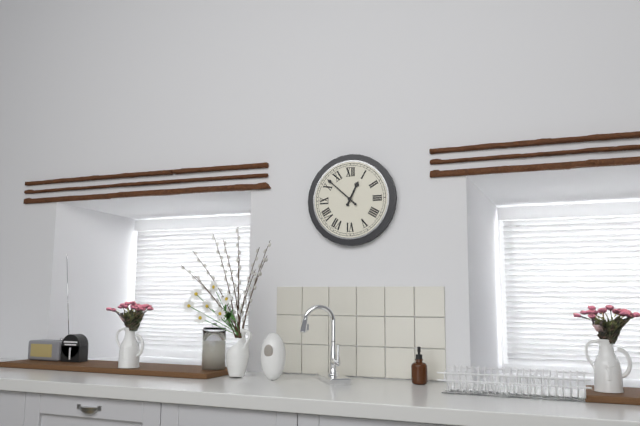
12:52
